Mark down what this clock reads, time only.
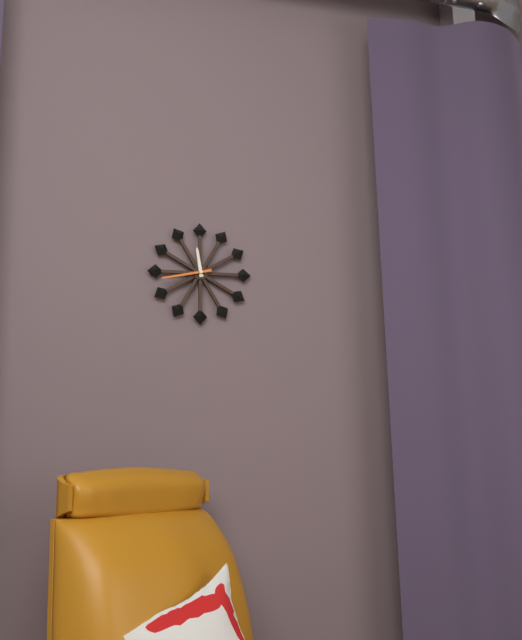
11:43
